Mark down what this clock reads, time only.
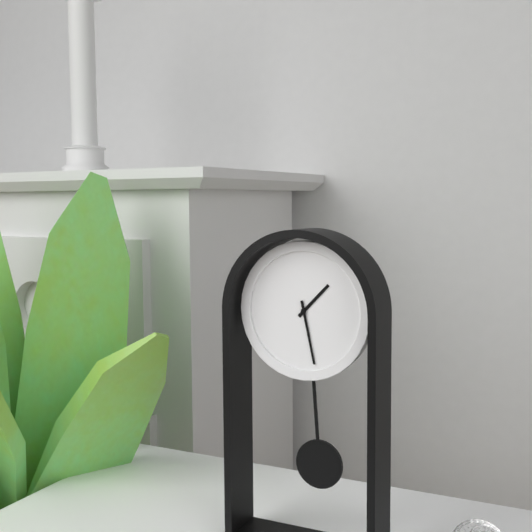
1:28
